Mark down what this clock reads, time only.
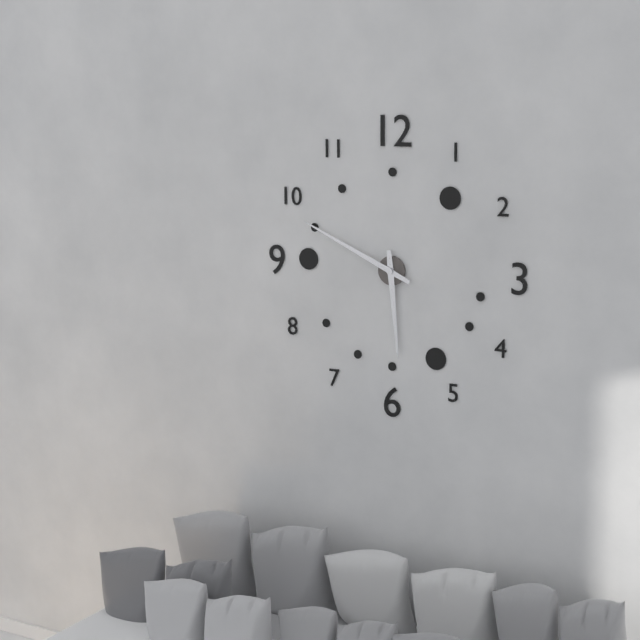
5:49
